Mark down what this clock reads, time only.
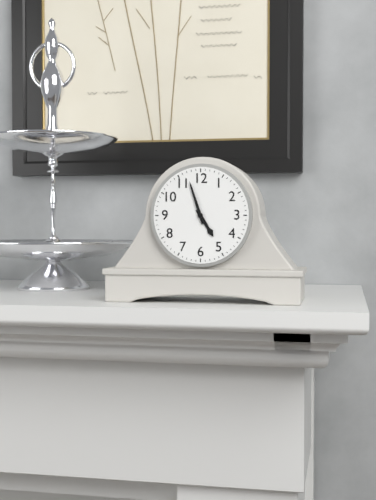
4:57
